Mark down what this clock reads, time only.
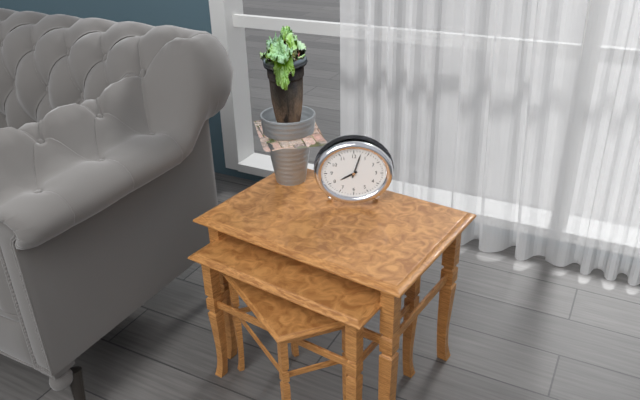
8:03
